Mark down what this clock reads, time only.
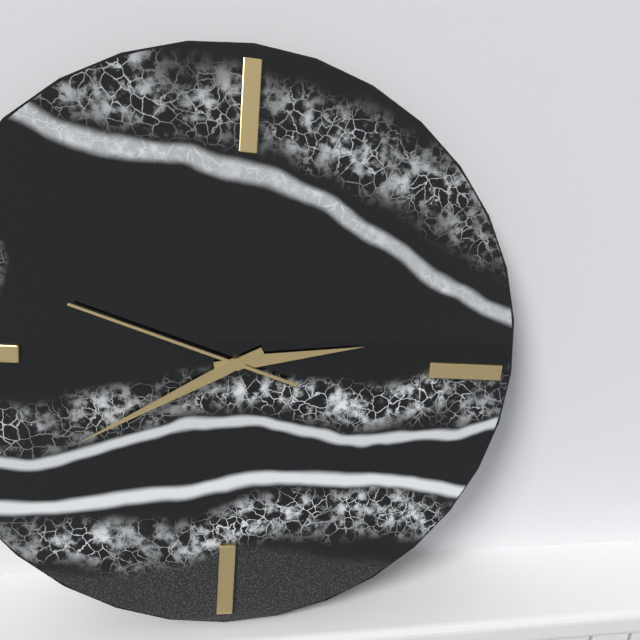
2:40:48
